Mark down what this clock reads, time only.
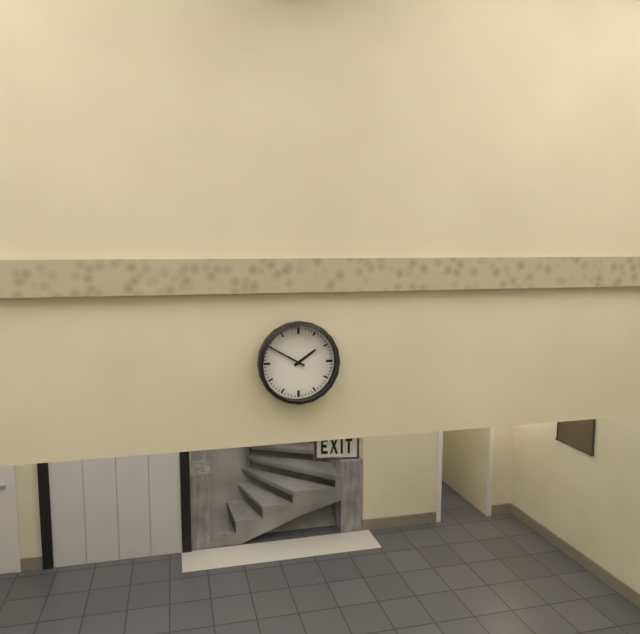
1:50
